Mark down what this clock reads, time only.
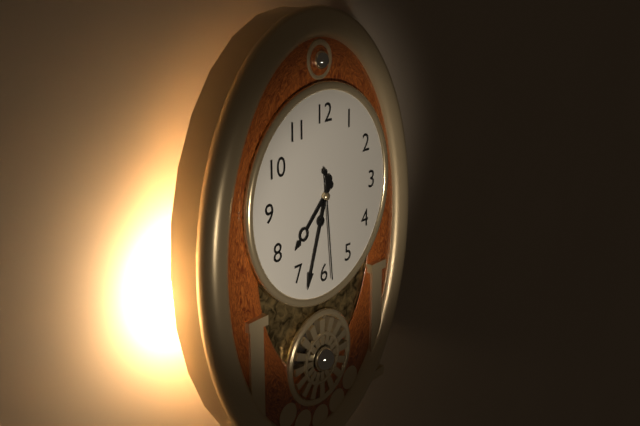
7:33:29
